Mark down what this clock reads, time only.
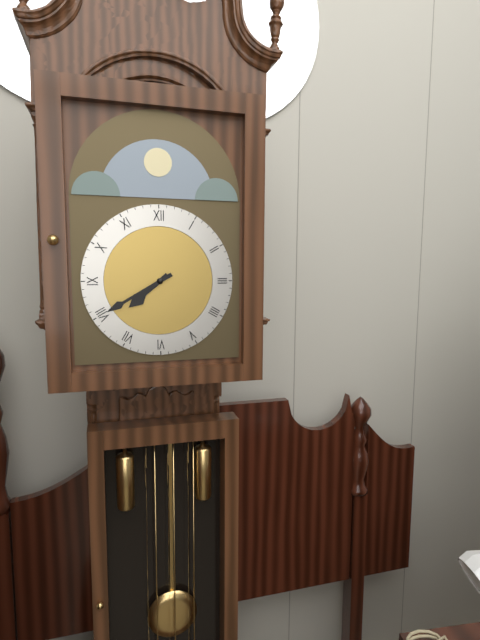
7:40
